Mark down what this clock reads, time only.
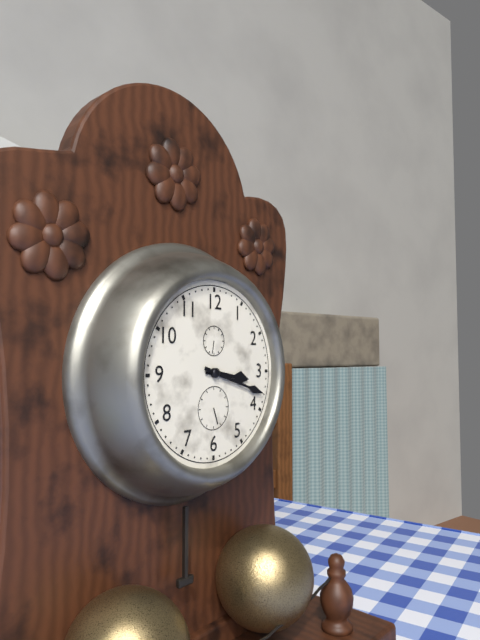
3:18
